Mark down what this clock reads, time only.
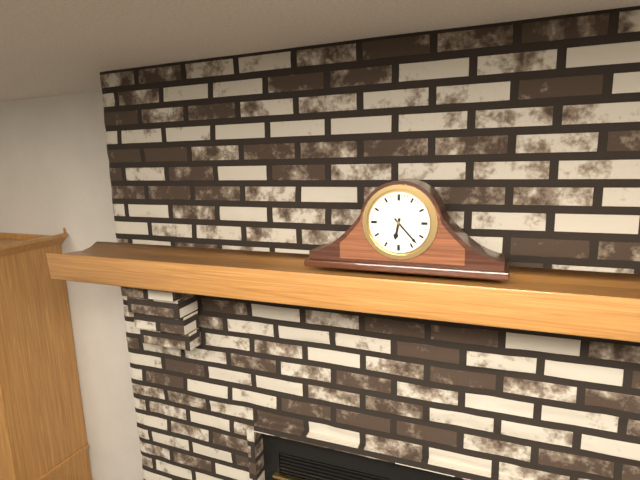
6:23
